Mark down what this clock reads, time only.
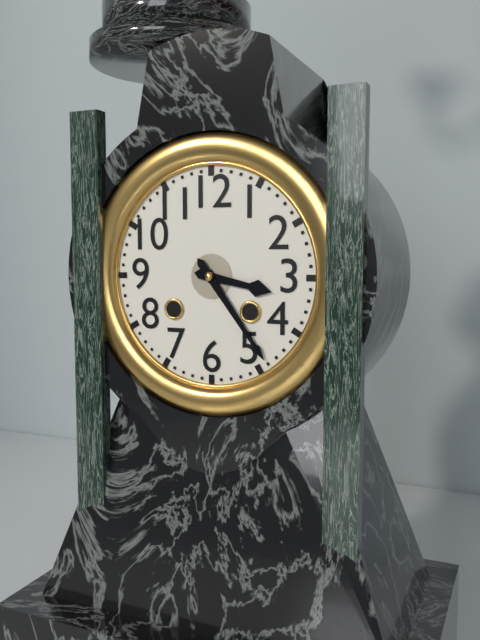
3:24
